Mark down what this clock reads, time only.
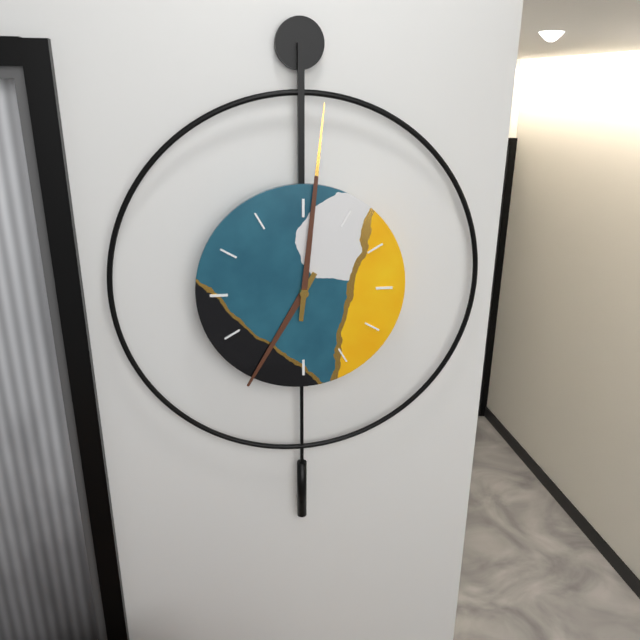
7:01
